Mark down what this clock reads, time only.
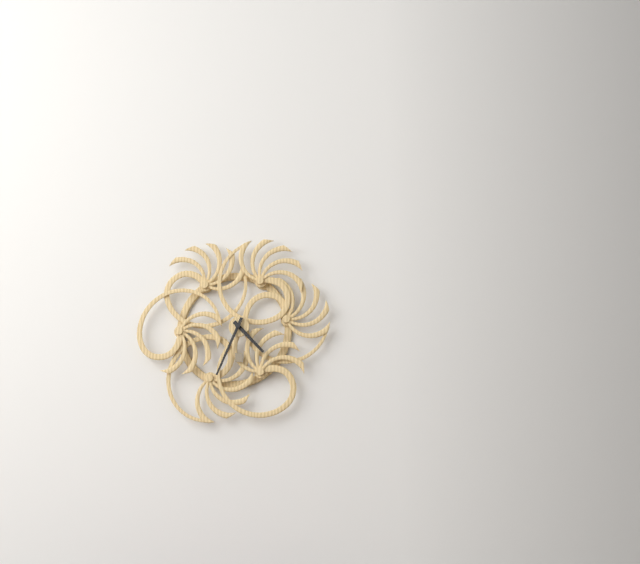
4:34
